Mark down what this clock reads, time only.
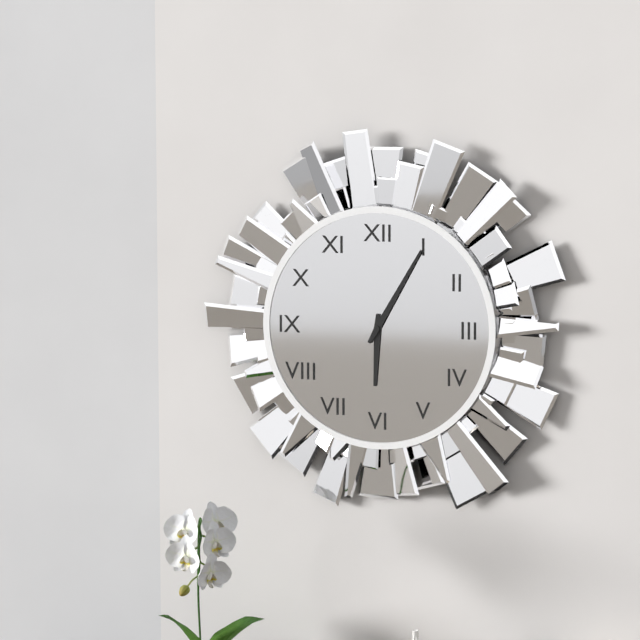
6:05
